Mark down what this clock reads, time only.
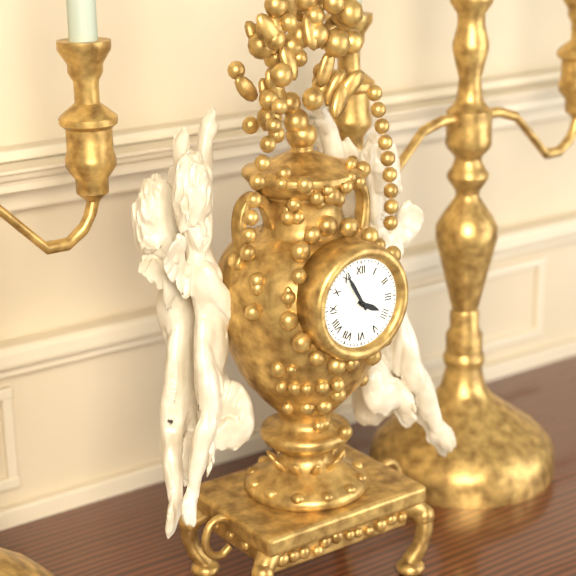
3:55
